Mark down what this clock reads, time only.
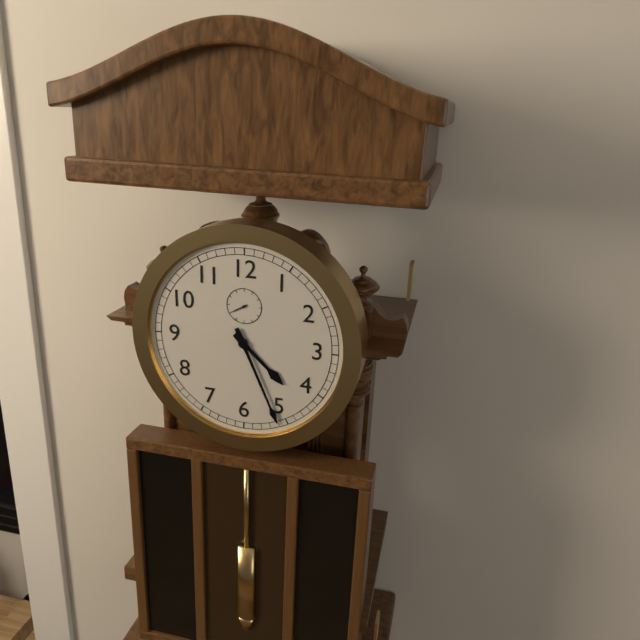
4:26
